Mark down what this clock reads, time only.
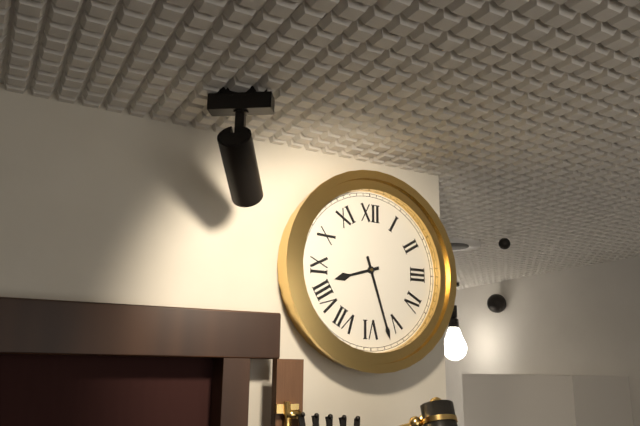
8:27
